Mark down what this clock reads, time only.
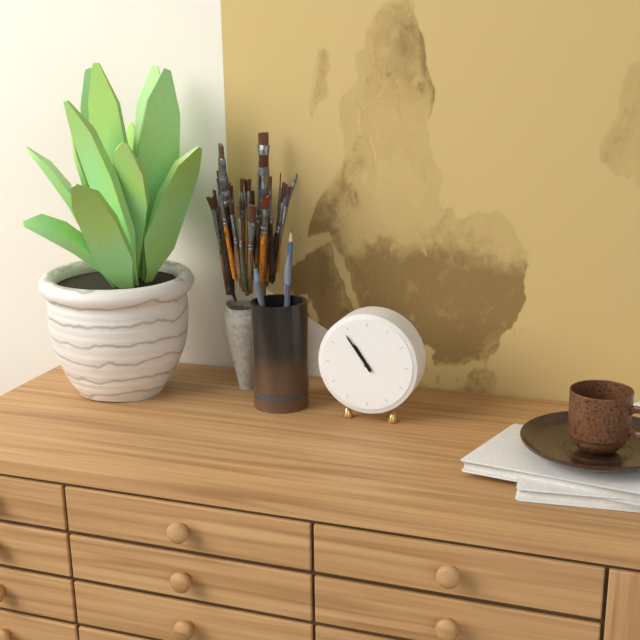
10:54
